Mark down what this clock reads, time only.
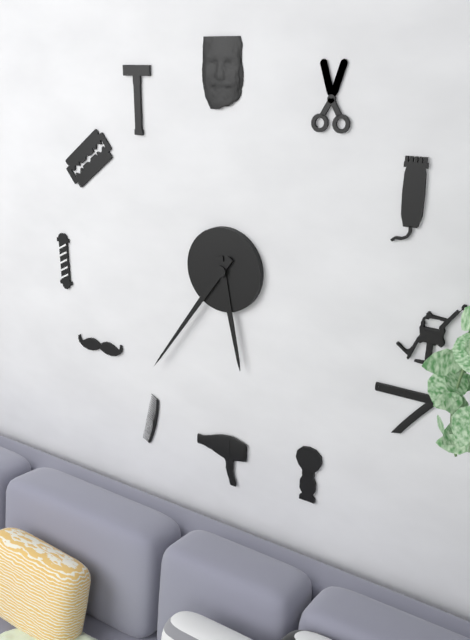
5:36
